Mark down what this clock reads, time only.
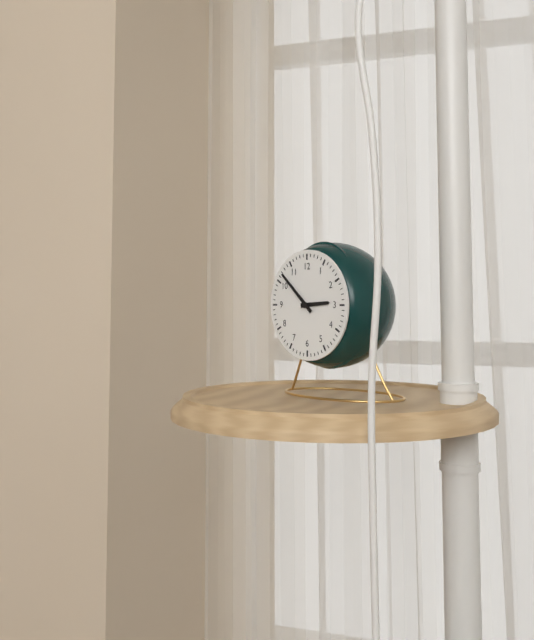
2:52
